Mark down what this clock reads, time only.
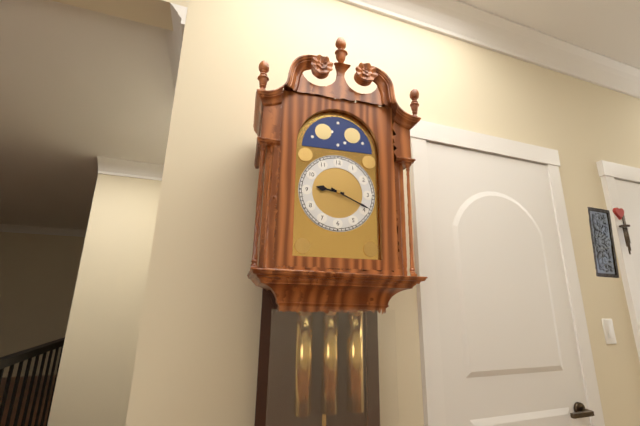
9:19
